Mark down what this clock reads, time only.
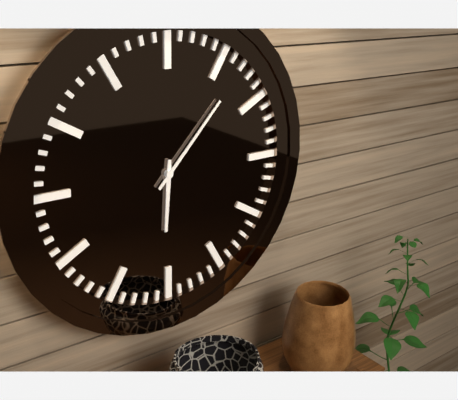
6:07
